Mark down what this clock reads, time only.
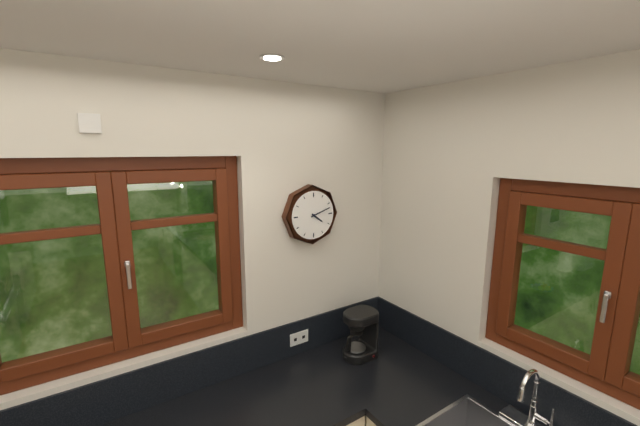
4:12
